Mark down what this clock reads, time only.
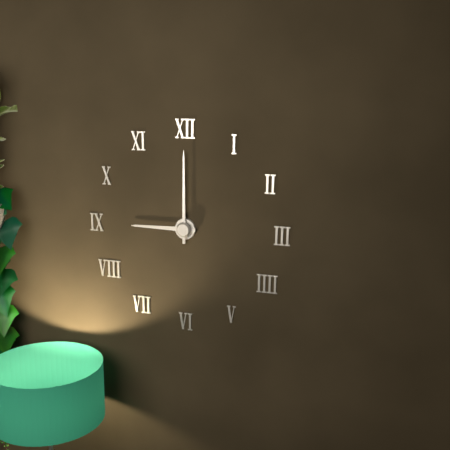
9:00
